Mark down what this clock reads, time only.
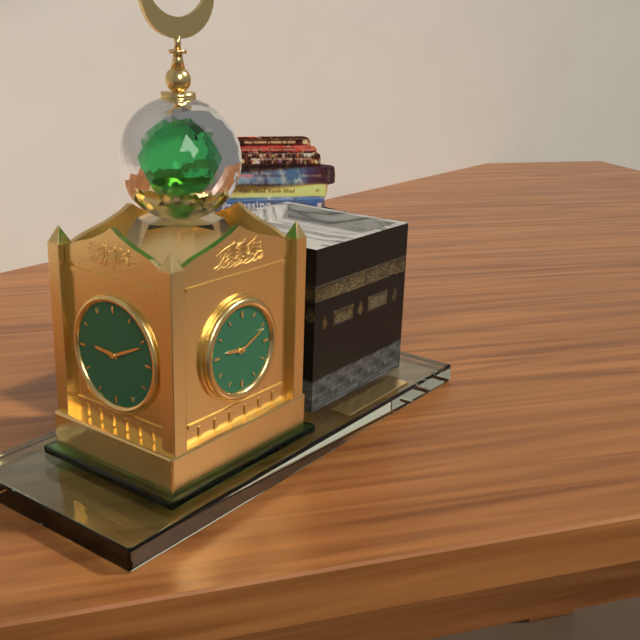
9:11
